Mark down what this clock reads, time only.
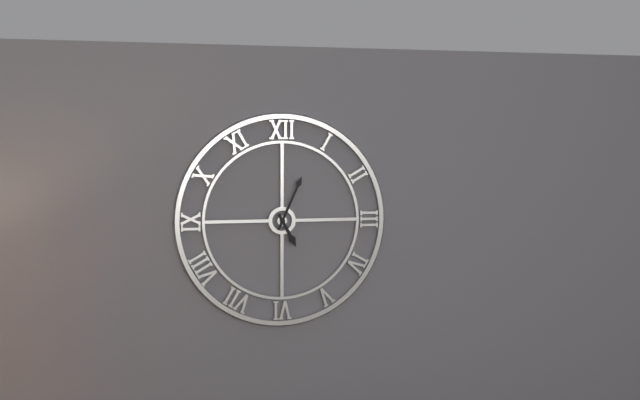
5:04
